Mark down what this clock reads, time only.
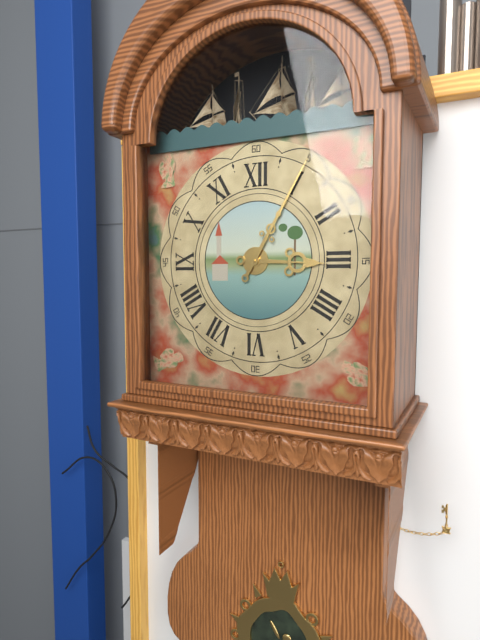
3:05
